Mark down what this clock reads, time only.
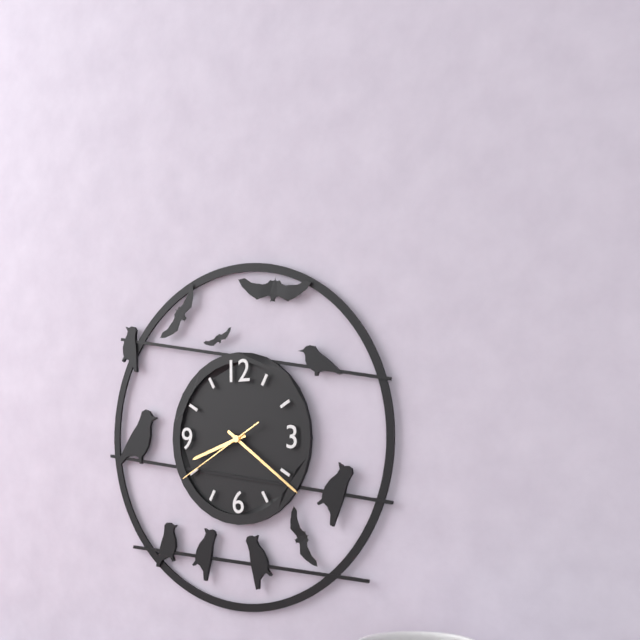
8:21:40
